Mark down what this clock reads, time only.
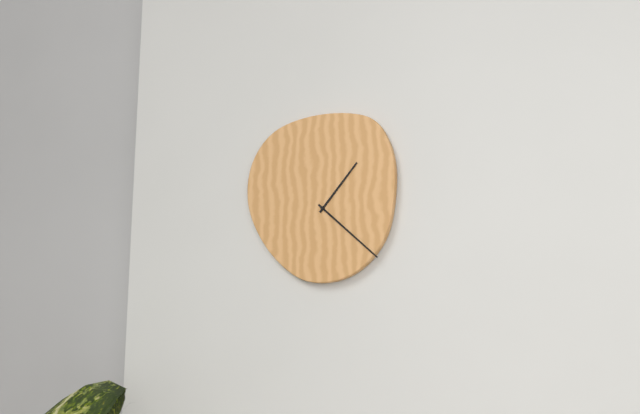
1:22
